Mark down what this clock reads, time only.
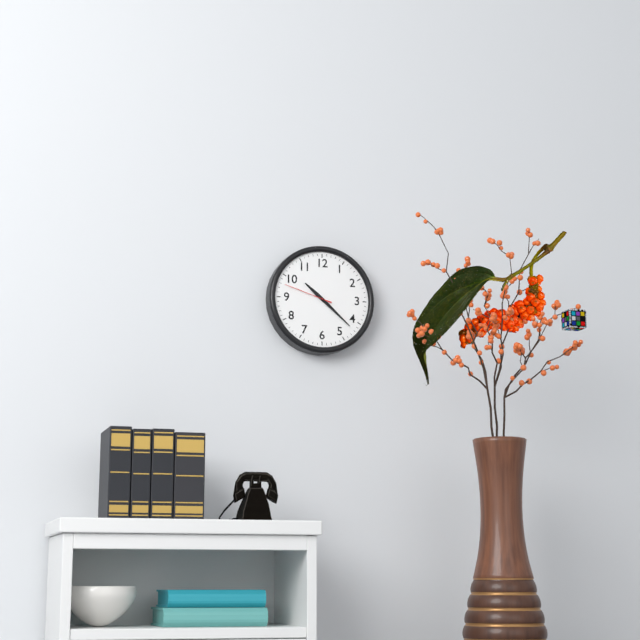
10:22:48
